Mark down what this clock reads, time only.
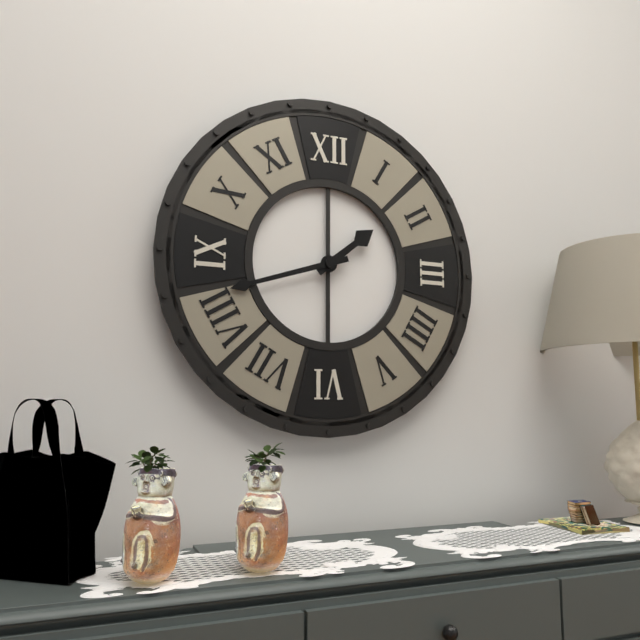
1:42
